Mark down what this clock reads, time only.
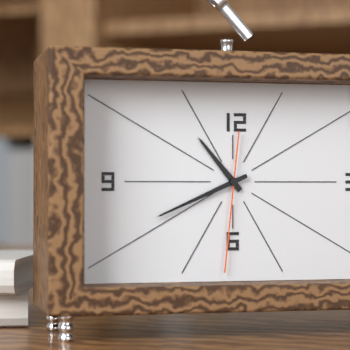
10:41:31
